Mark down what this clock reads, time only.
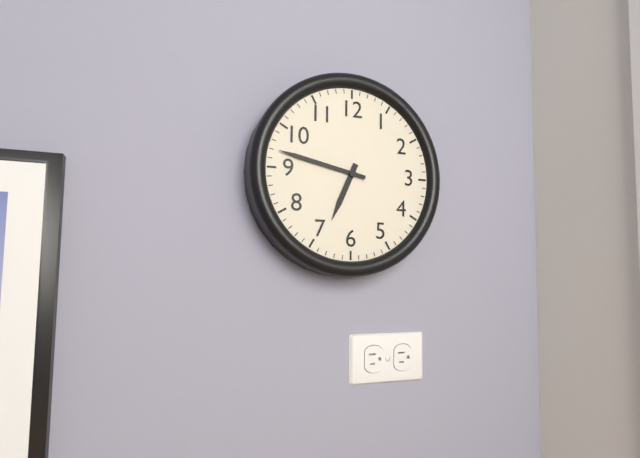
6:47
